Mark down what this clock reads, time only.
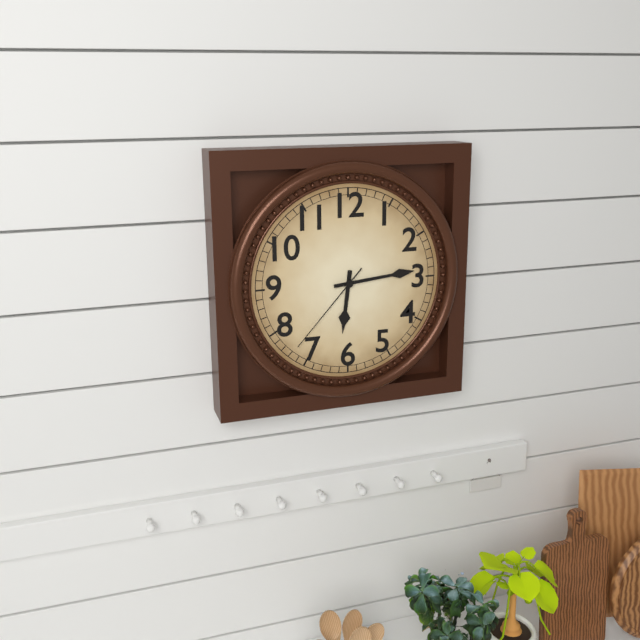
6:14:37
